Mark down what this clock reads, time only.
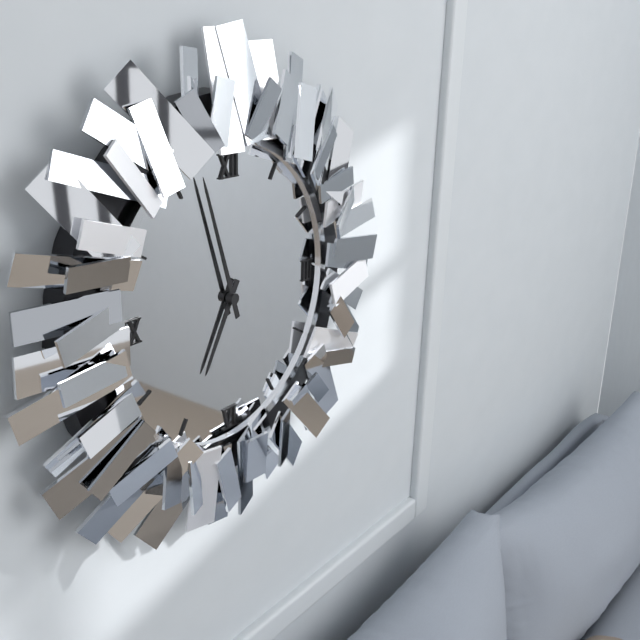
6:57
